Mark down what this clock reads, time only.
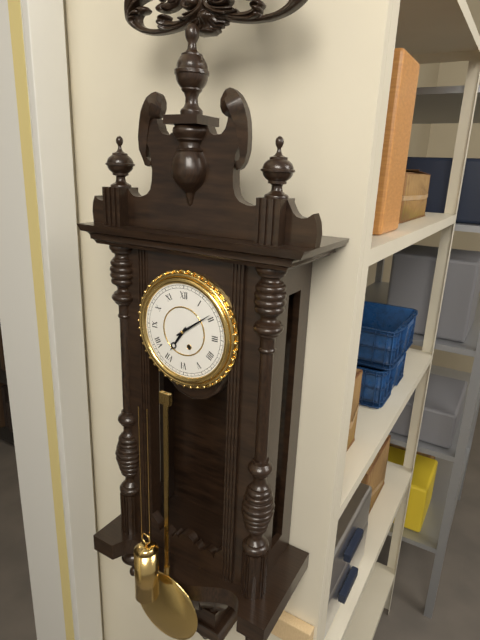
7:09
